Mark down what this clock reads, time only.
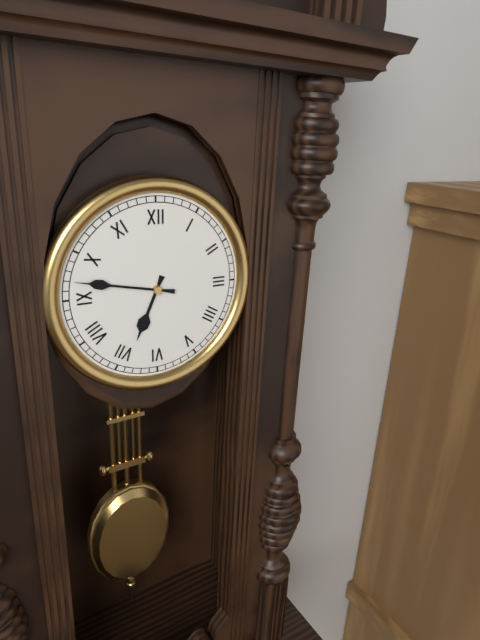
6:47
